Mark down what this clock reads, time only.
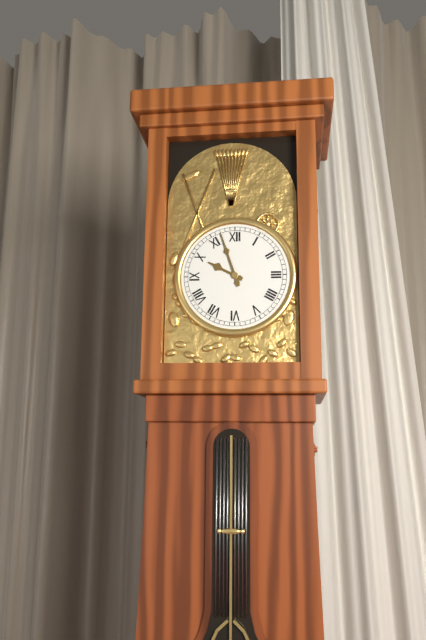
9:57
